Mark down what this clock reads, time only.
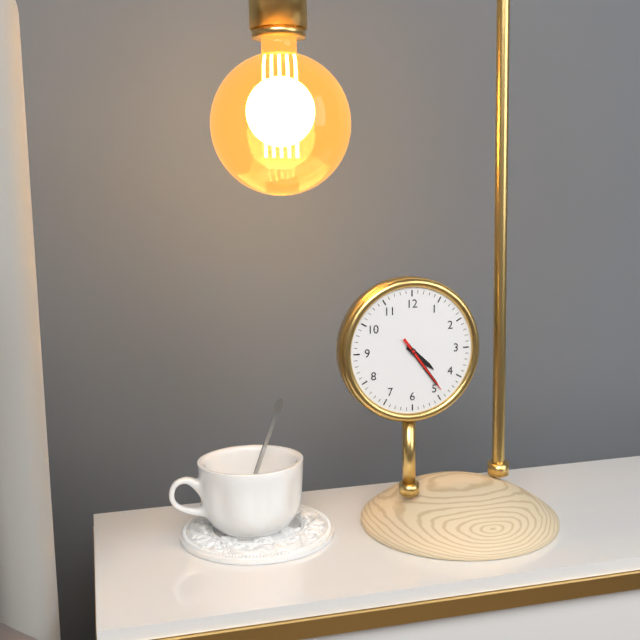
4:24:24
